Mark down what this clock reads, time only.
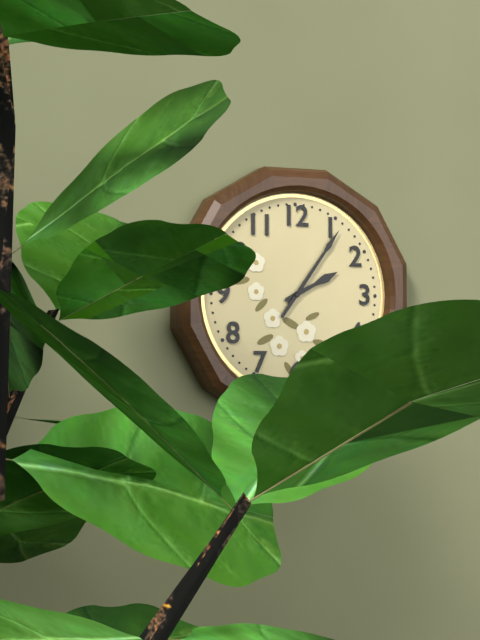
2:06
